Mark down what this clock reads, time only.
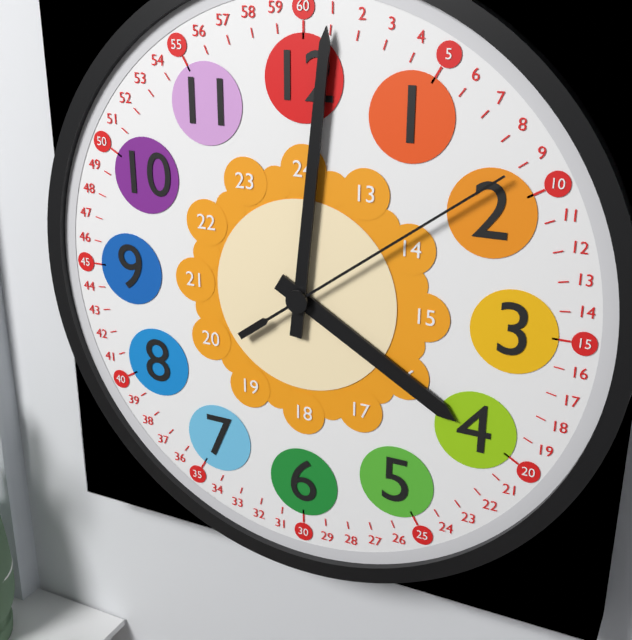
4:01:09
